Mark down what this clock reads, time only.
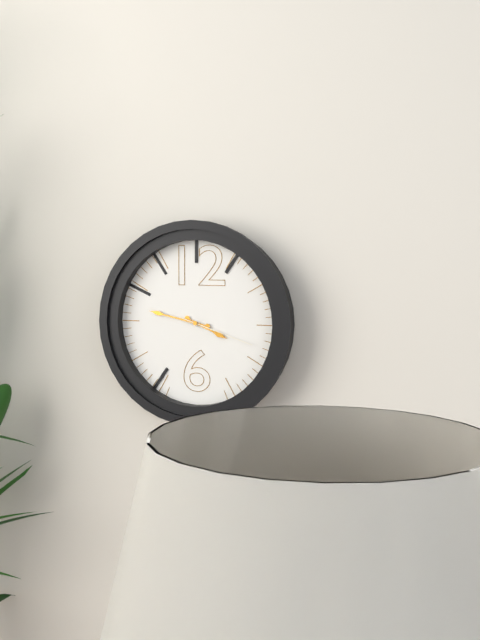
3:47:18
